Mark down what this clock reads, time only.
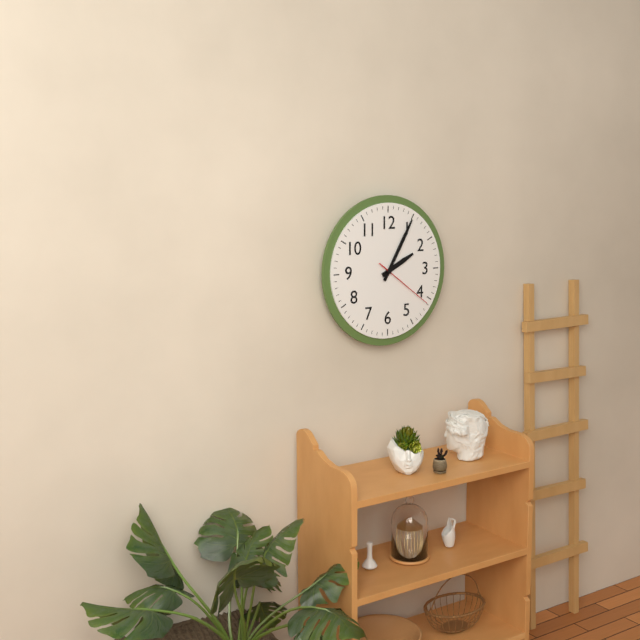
2:05:21
